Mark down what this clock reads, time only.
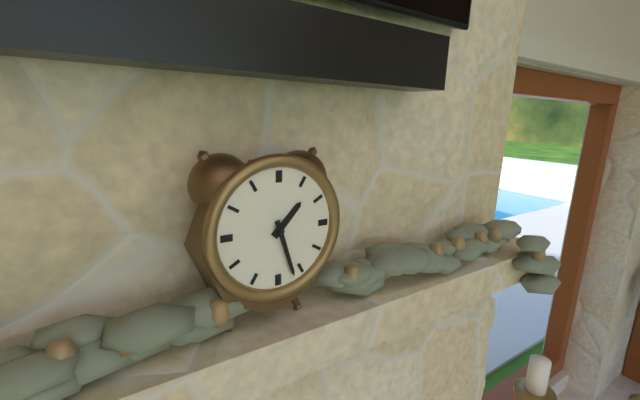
1:27
